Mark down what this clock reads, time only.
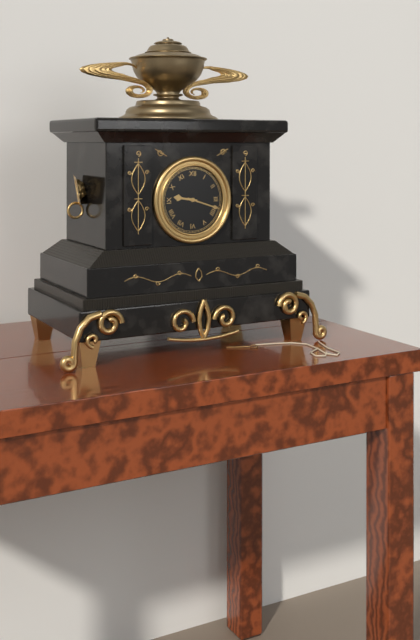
9:18
